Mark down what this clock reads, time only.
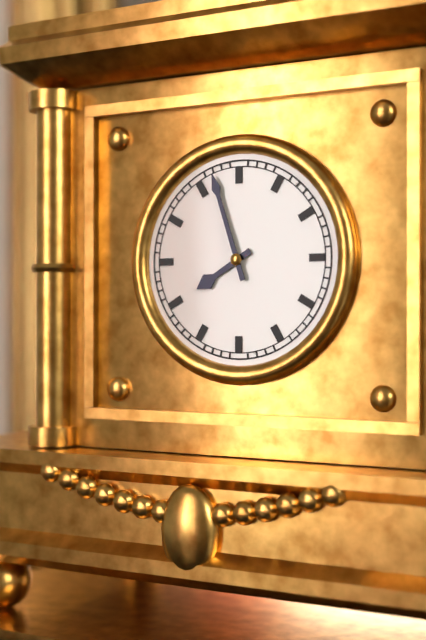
7:57
